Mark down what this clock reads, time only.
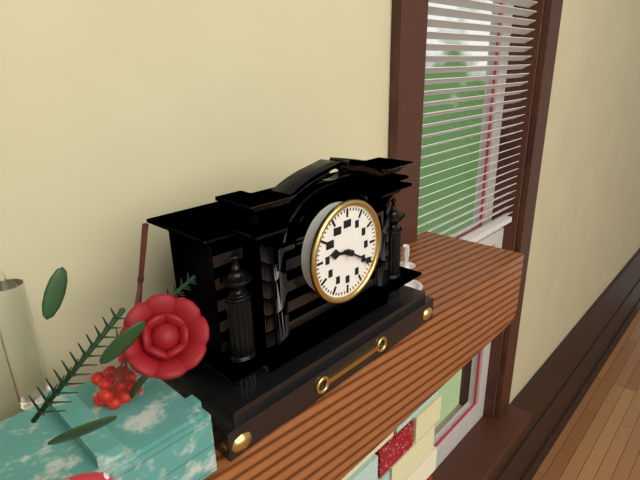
9:20
